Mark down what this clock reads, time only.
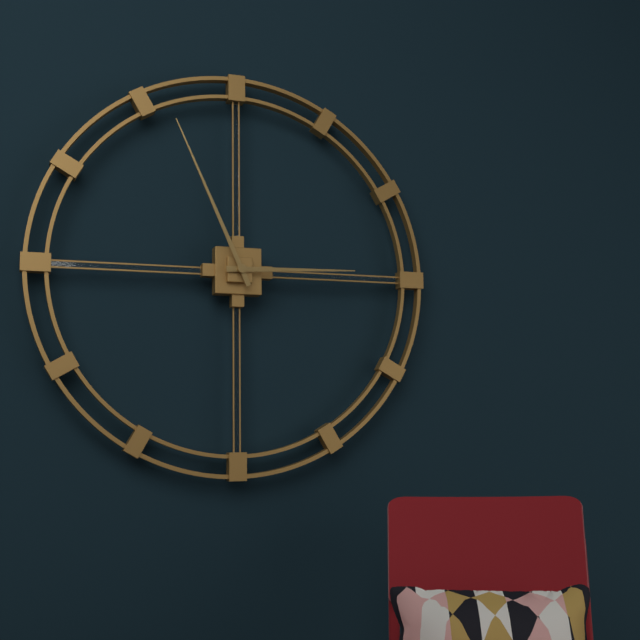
2:56
